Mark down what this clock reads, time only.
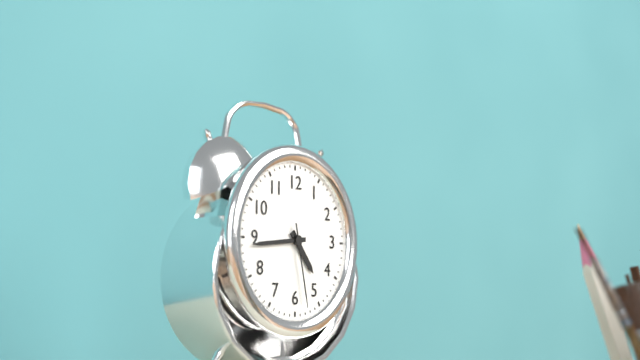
4:44:28
